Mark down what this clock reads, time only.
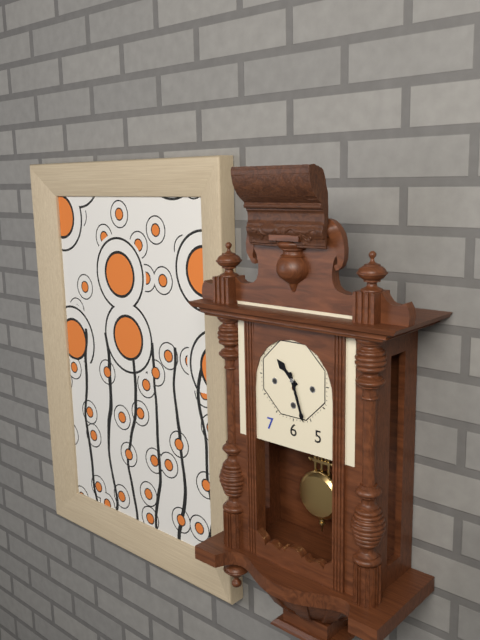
10:27
